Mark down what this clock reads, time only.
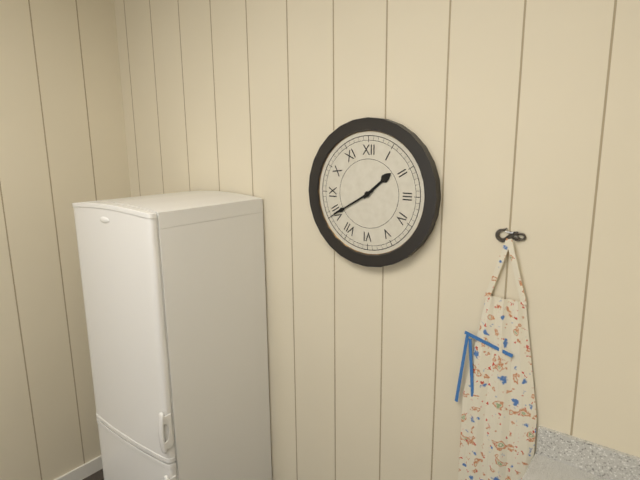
1:40
